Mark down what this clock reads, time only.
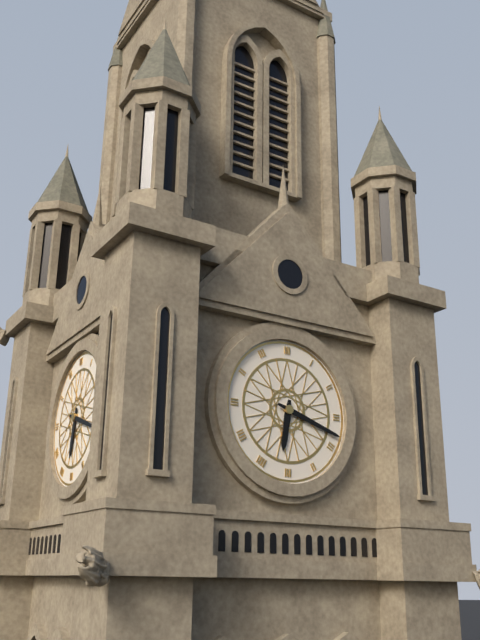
6:18
